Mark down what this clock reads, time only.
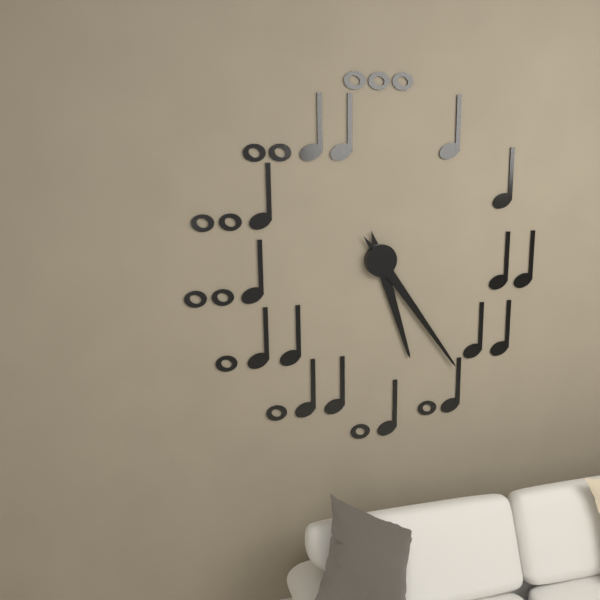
5:24
